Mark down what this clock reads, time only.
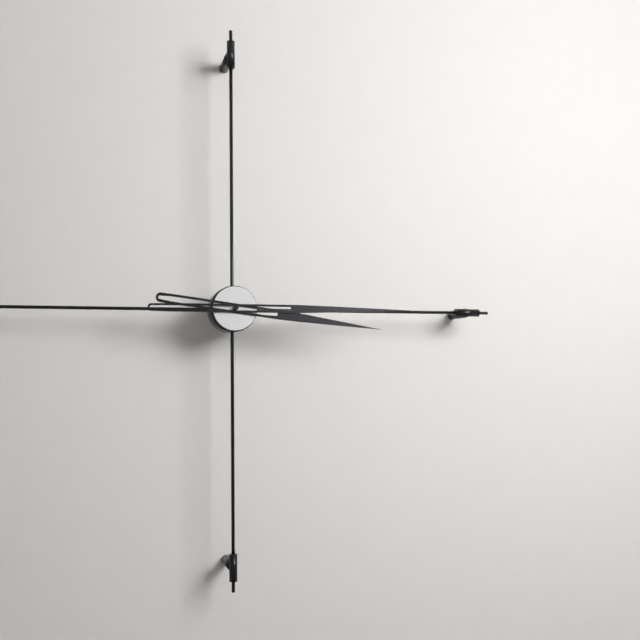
3:15
